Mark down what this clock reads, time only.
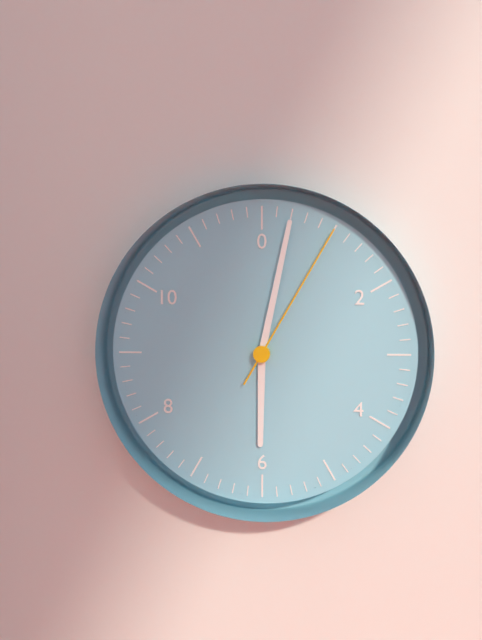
6:02:05
